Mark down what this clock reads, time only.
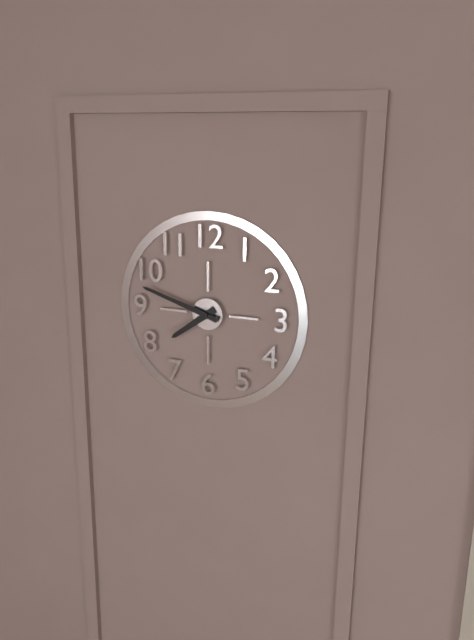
7:48
